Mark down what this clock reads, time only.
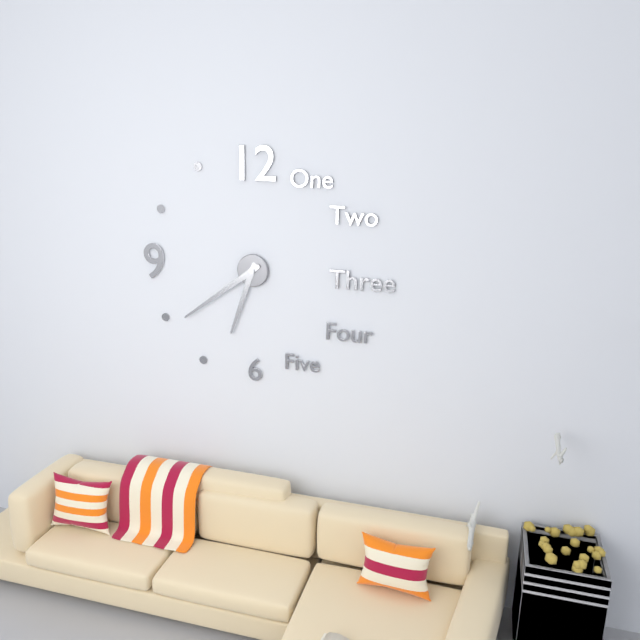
6:39
